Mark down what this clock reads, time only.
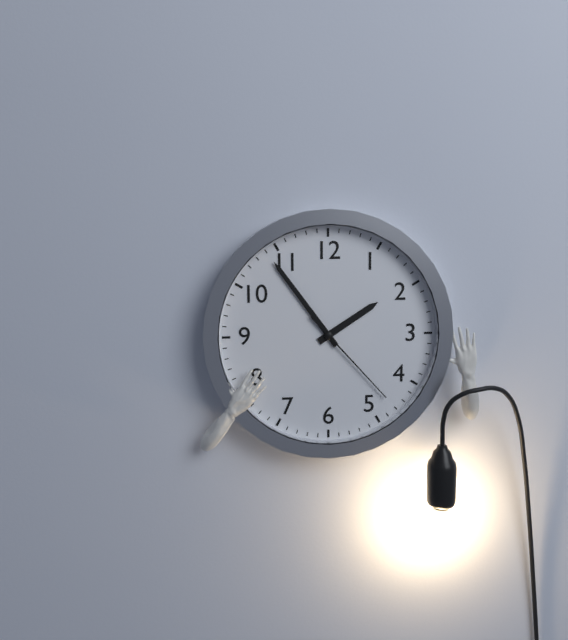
1:54:23
